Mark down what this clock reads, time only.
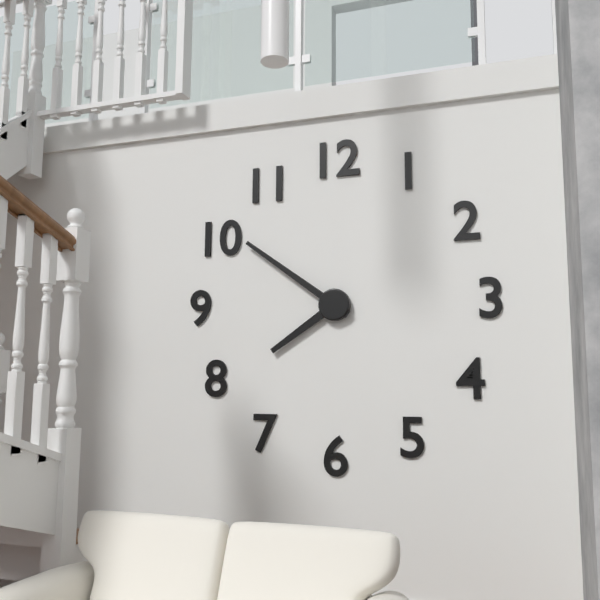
7:51
